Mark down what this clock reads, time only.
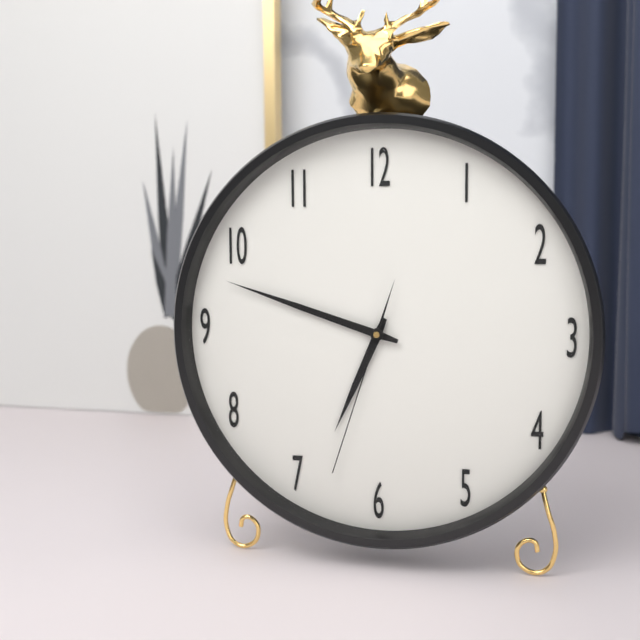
6:48:33
